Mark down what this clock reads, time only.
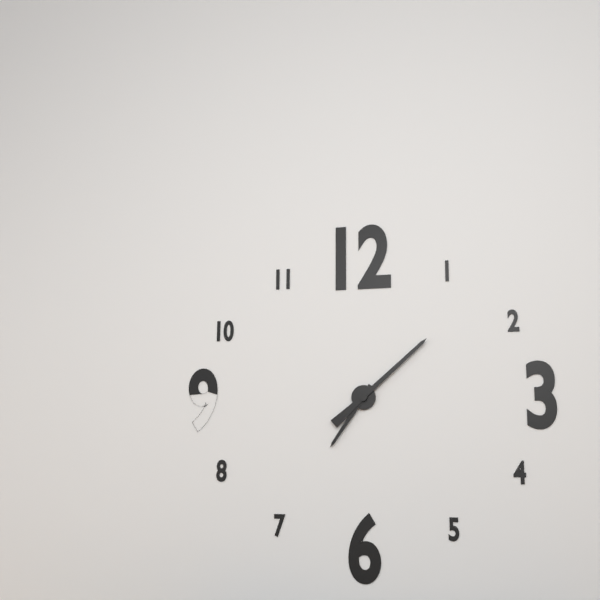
7:08
